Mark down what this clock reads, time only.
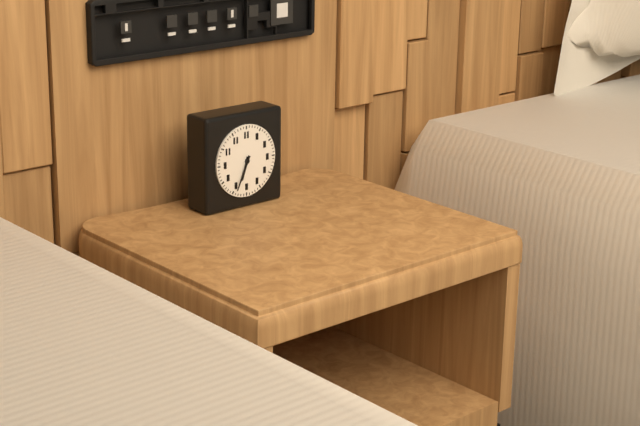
6:34
